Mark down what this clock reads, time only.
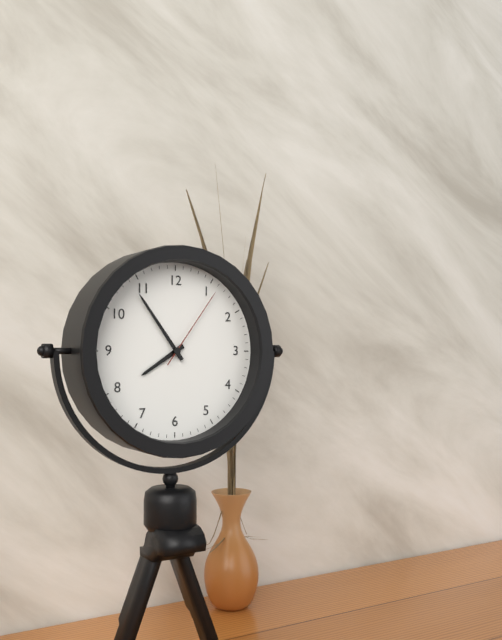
7:54:06
